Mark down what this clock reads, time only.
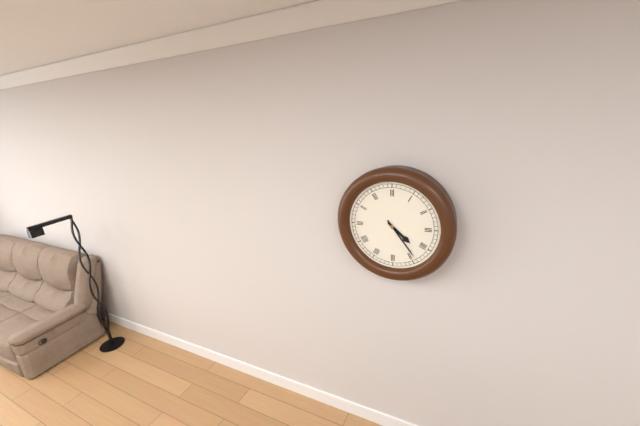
4:24
